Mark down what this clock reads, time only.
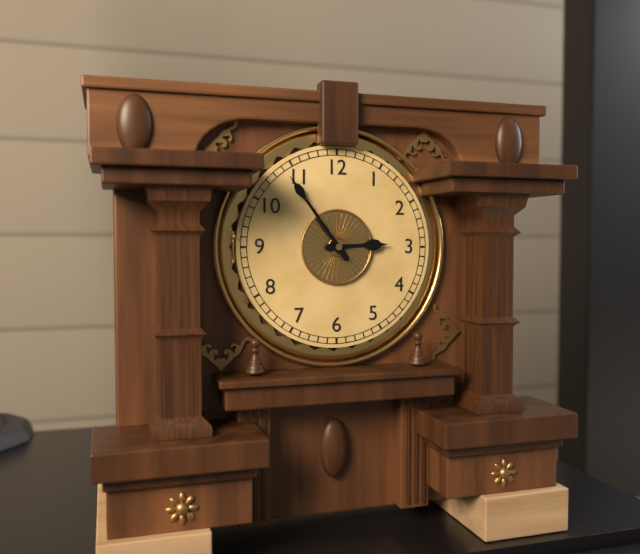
2:54
